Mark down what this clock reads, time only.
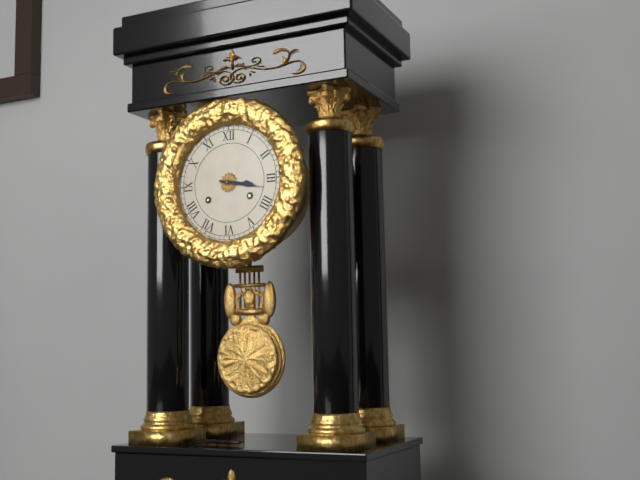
3:17
